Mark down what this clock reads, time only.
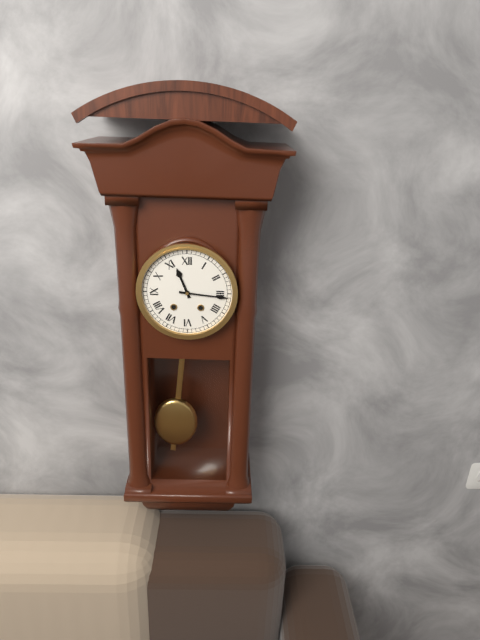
11:16
